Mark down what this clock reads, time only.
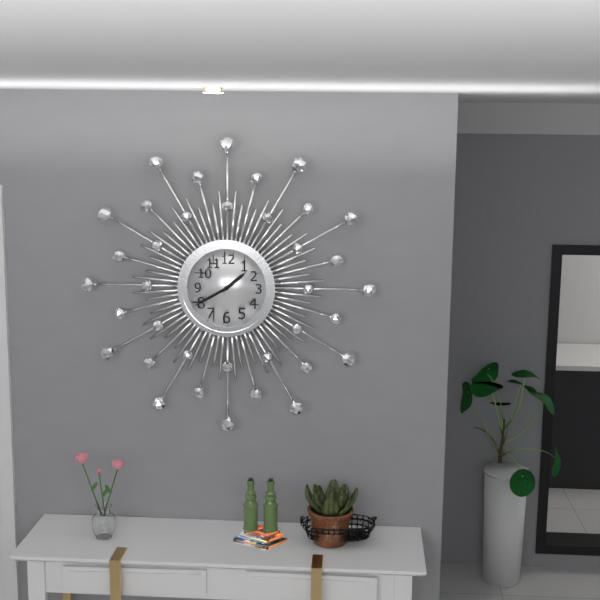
1:40
